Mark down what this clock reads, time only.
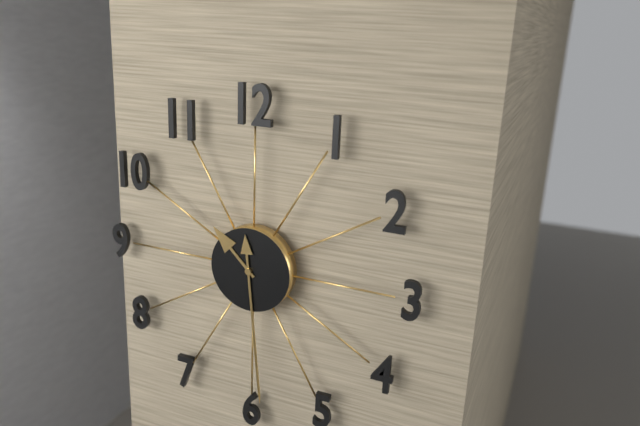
10:29
